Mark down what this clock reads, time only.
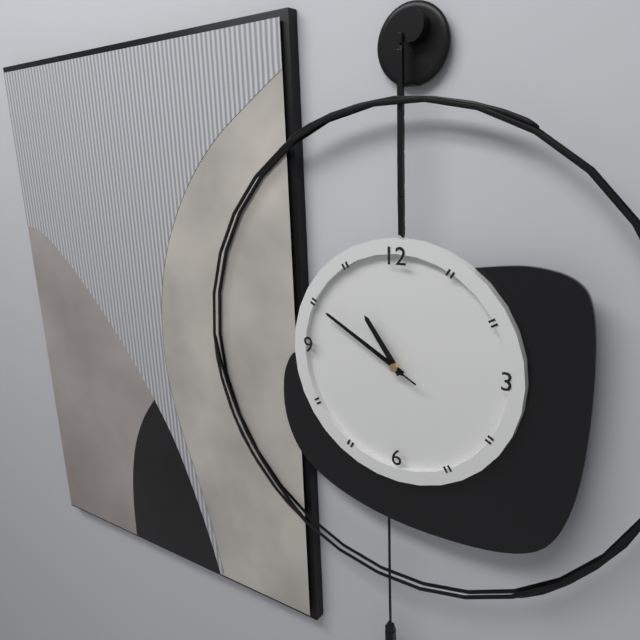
10:50:50
